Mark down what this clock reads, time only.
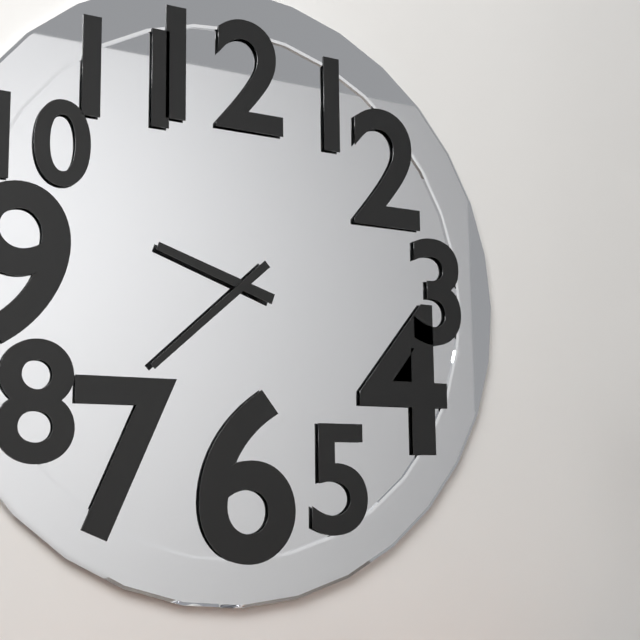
9:38
